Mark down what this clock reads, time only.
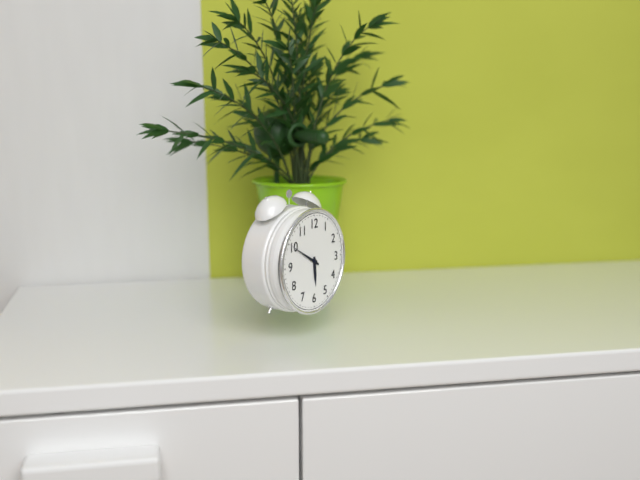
5:50
